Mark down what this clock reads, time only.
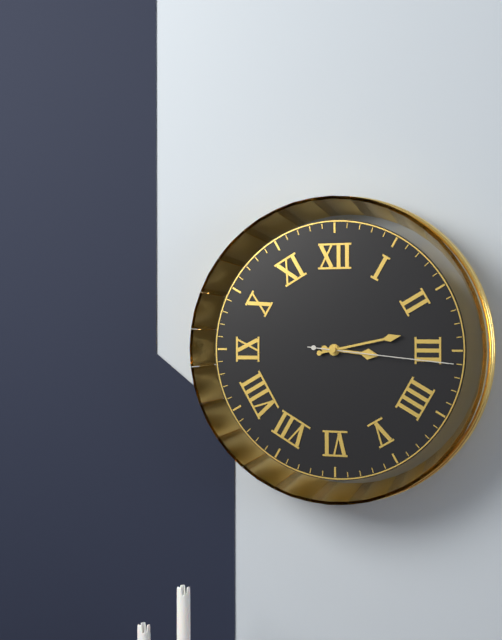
3:13:16
